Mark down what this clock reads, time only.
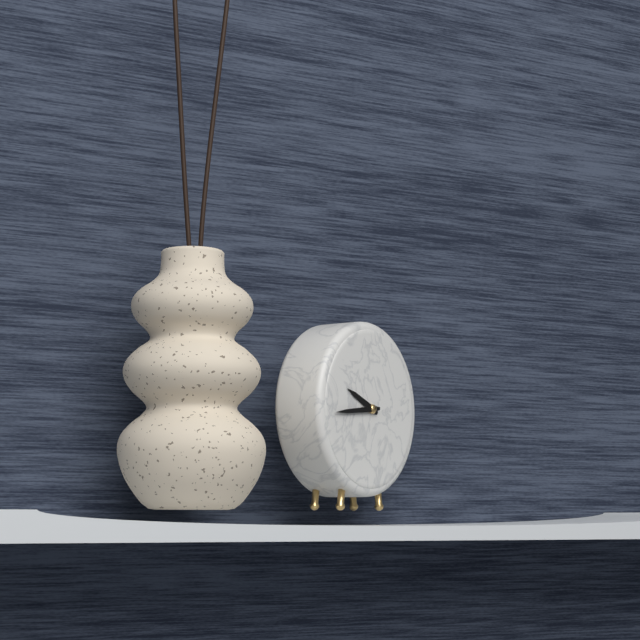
9:44
